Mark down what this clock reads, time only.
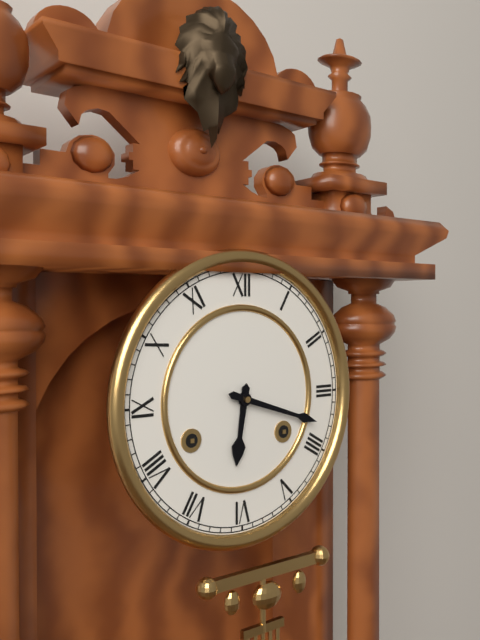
6:18
